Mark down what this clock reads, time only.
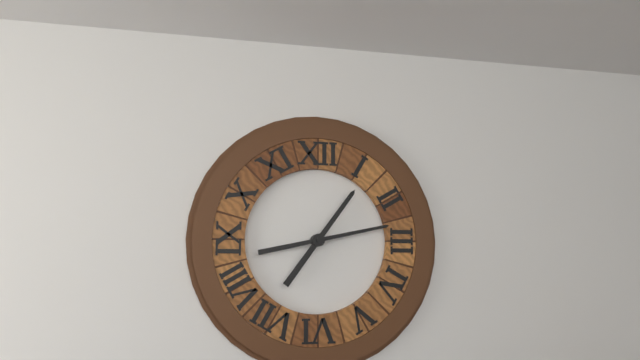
1:13
